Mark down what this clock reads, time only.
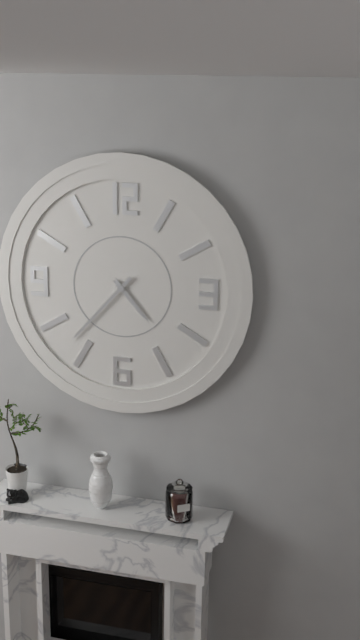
4:37
